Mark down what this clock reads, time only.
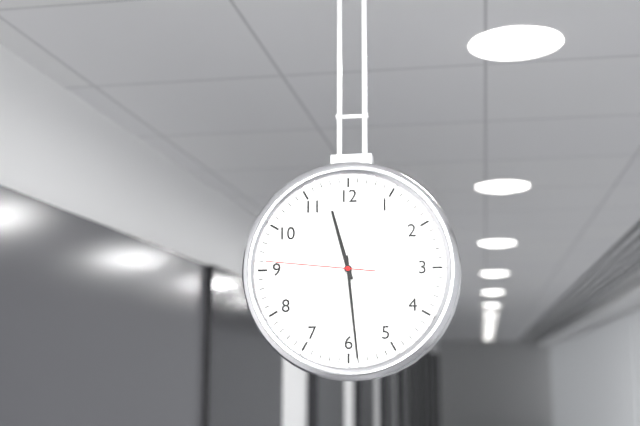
11:29:46
